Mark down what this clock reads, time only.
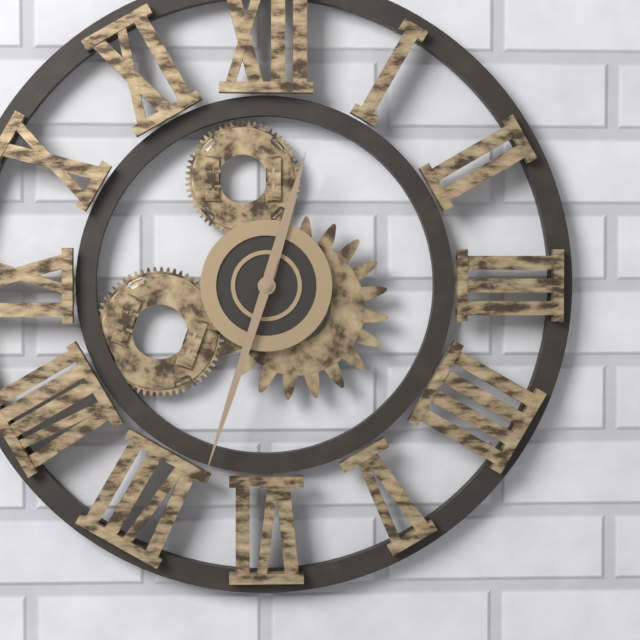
12:33
